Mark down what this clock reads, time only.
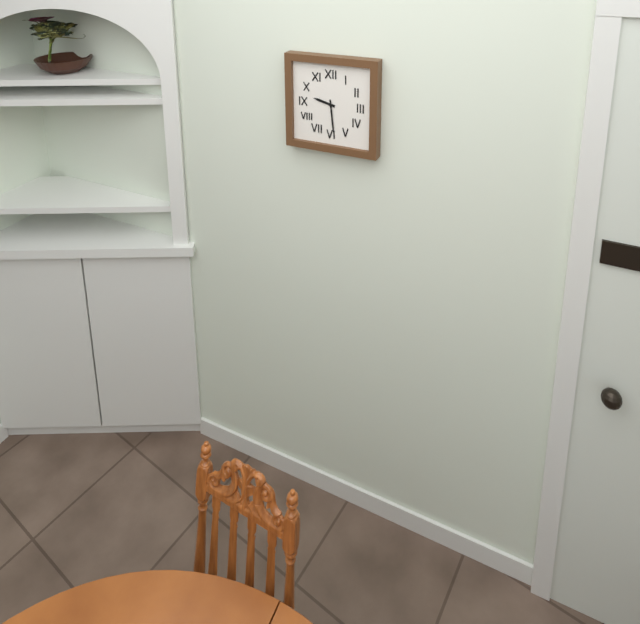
9:29
